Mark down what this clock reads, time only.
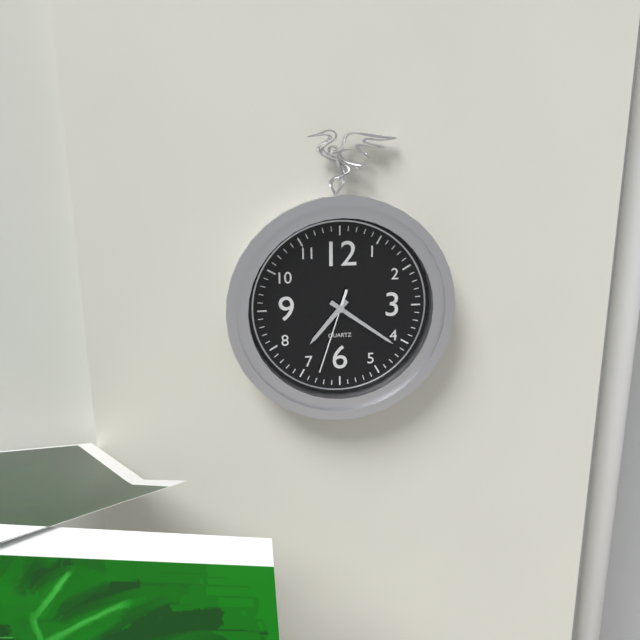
7:21:33
